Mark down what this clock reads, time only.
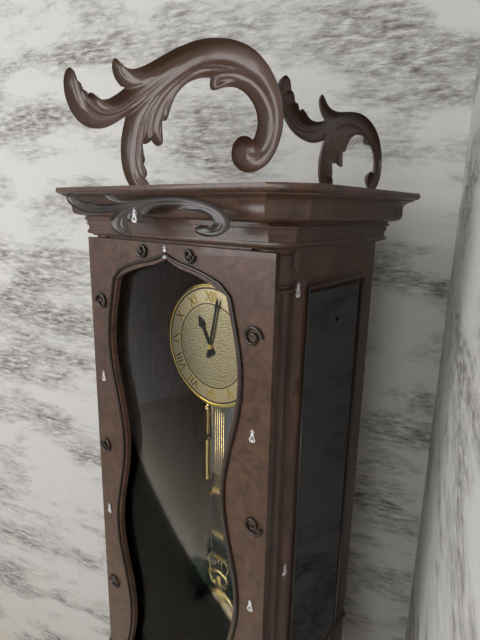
11:02
